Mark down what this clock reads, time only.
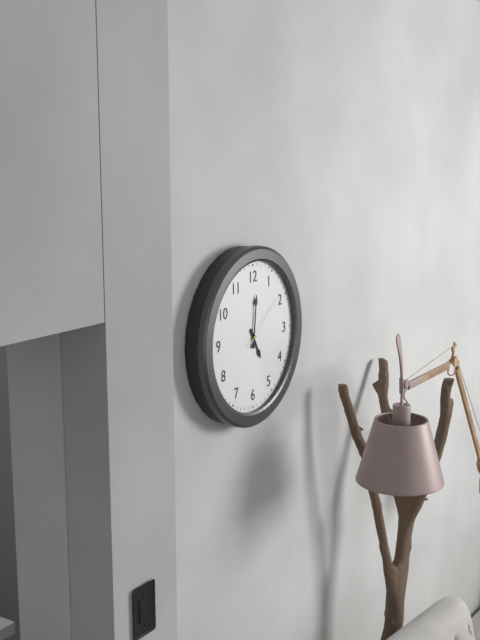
5:01:09
